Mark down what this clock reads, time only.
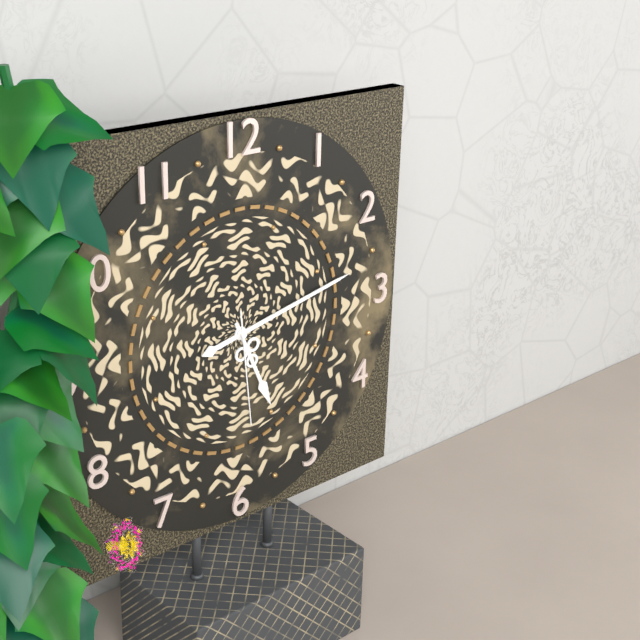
5:13:29
